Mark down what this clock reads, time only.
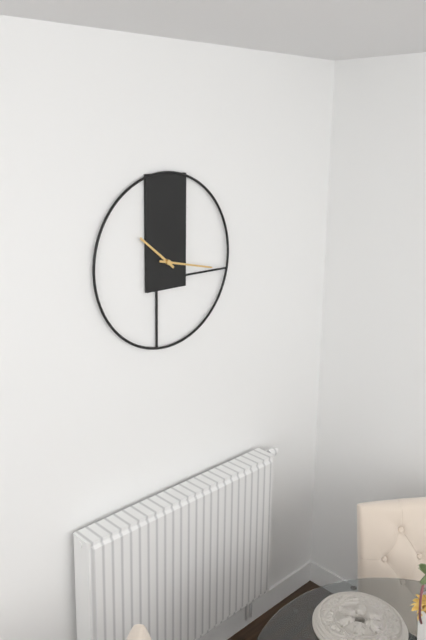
10:17
